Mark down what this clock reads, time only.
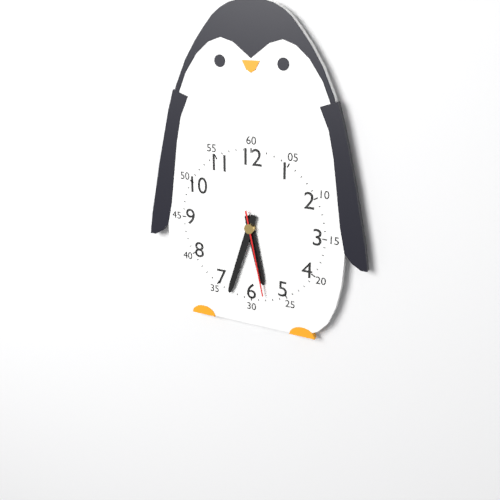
5:33:28
